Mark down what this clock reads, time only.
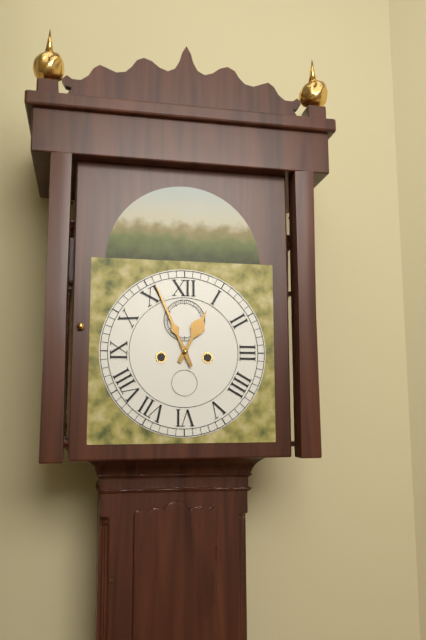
12:56
